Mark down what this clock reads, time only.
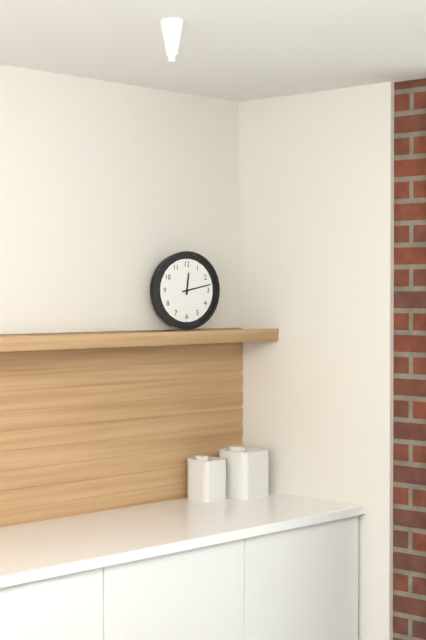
12:13
